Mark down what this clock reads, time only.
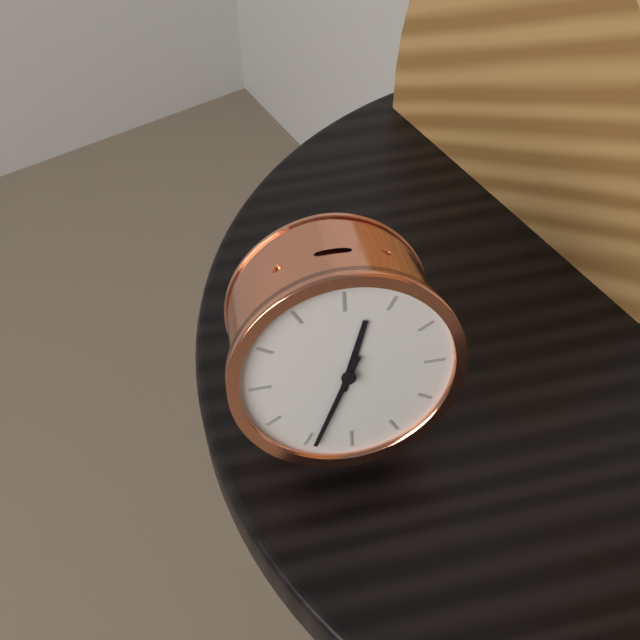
12:34
